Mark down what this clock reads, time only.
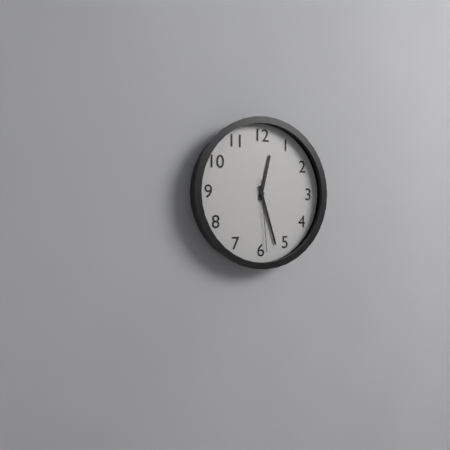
12:27:29
